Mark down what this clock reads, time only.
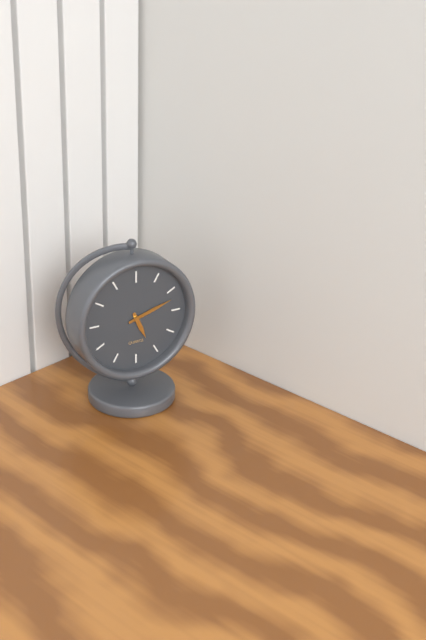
5:12
